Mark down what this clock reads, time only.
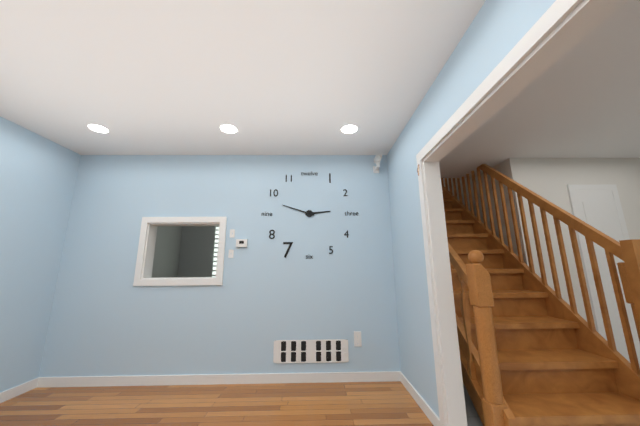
2:48
